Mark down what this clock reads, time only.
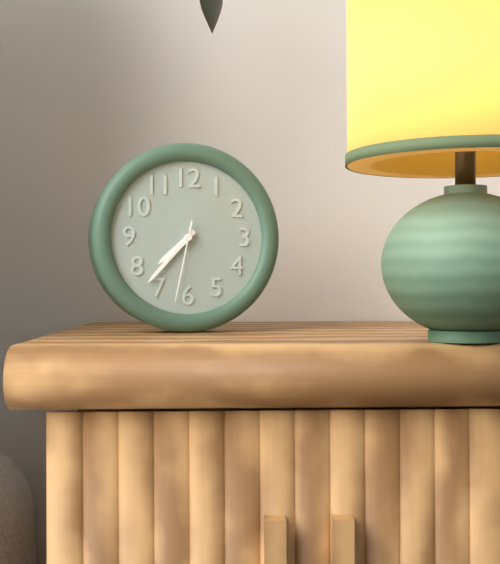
7:37:32
